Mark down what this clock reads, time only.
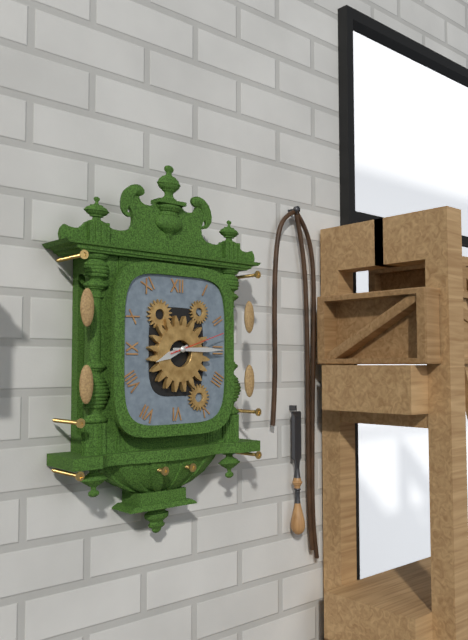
8:15:12
